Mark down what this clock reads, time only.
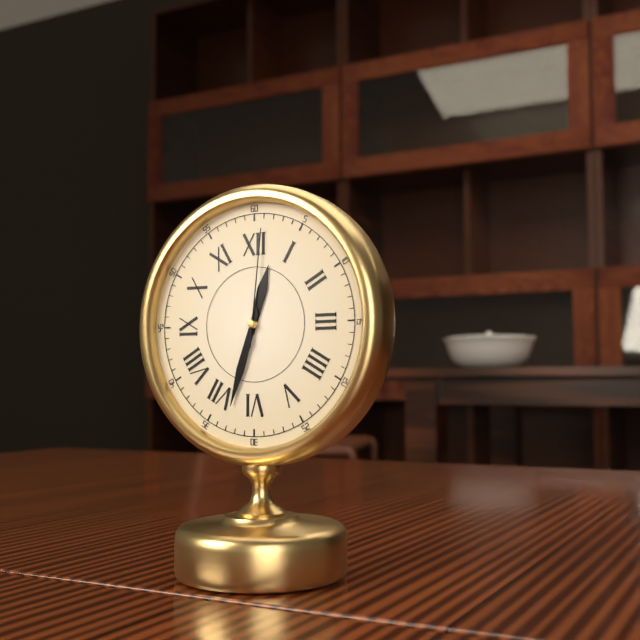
12:33:01
